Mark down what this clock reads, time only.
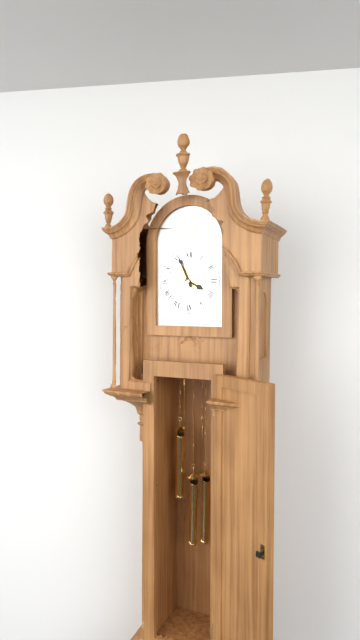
3:56
